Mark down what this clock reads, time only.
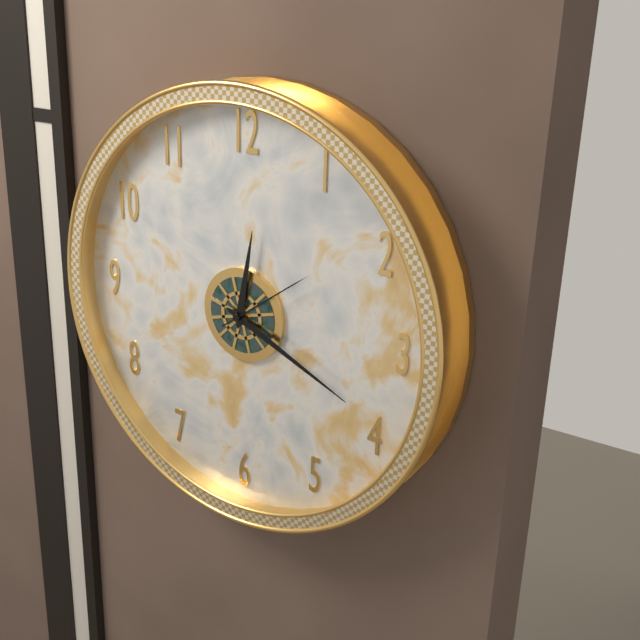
12:19:09
